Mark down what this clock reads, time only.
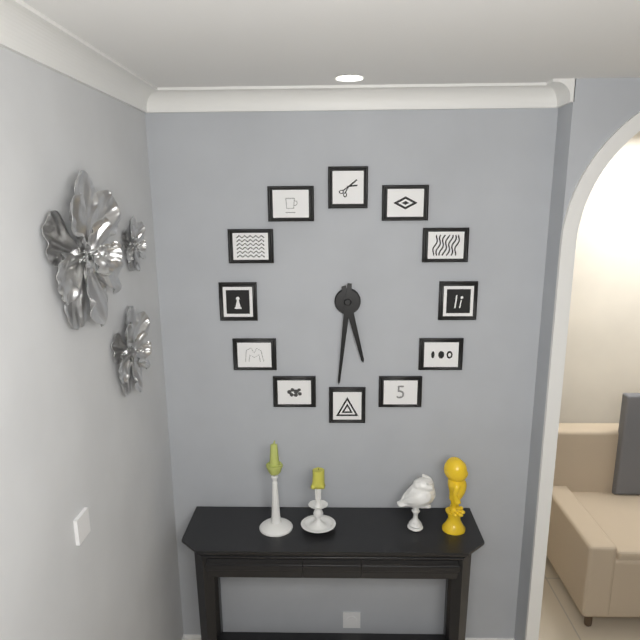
5:31
